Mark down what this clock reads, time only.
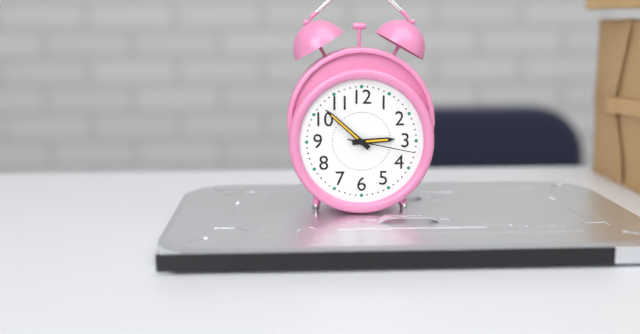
2:52:17
